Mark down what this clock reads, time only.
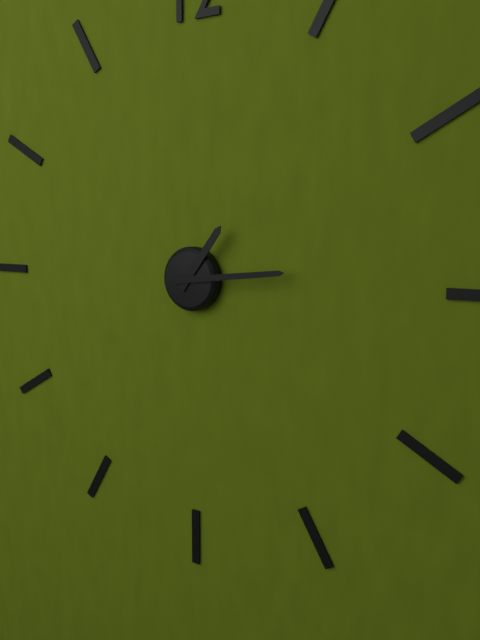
1:14
